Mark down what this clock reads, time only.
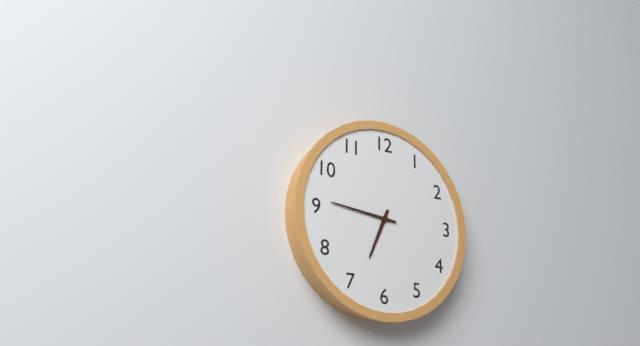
6:46
